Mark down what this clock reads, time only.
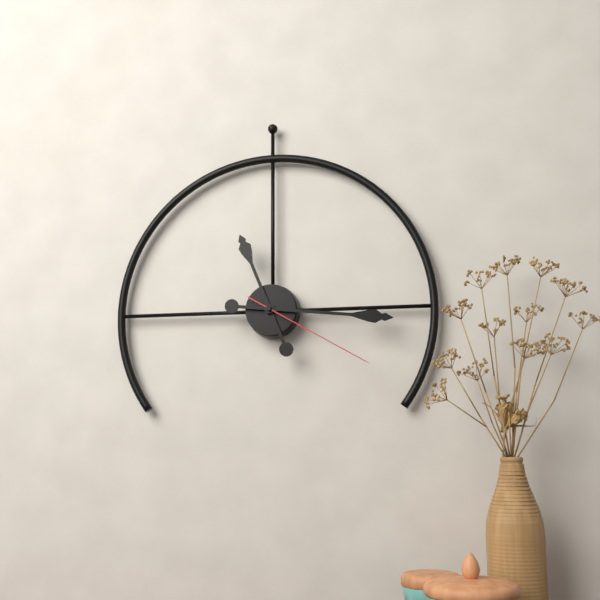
11:16:20
